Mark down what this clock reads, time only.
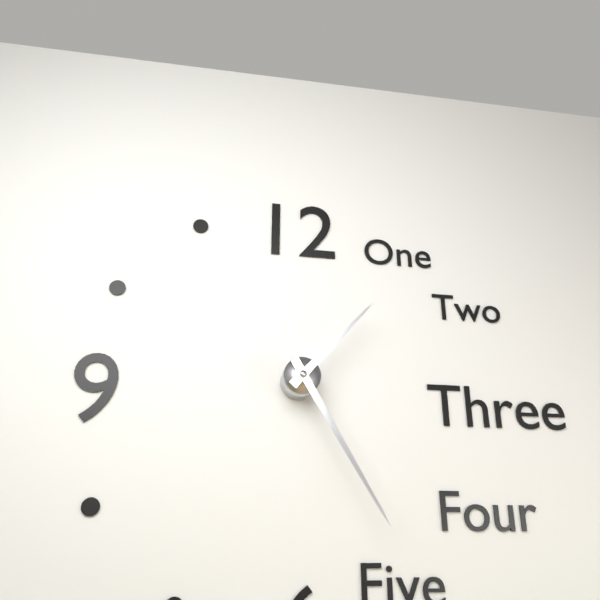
1:25
